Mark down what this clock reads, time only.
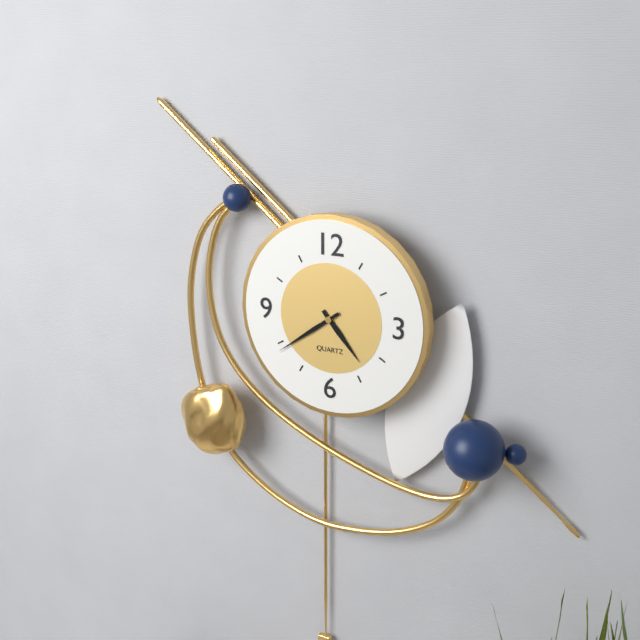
4:39
